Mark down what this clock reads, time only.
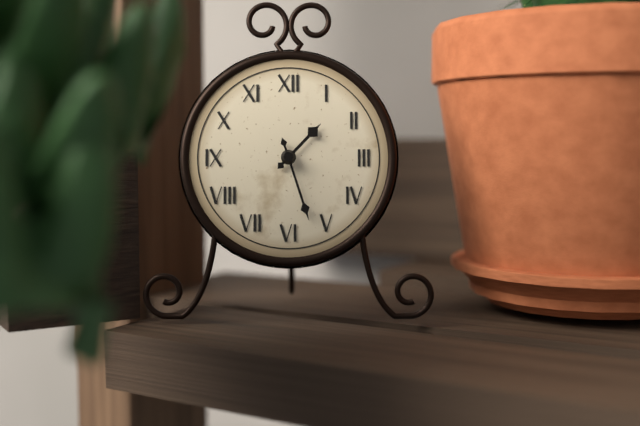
1:27
